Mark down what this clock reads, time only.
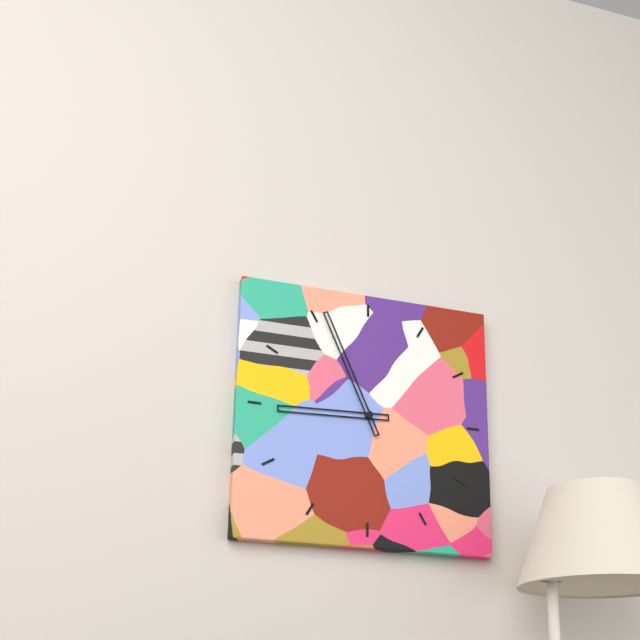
8:56
